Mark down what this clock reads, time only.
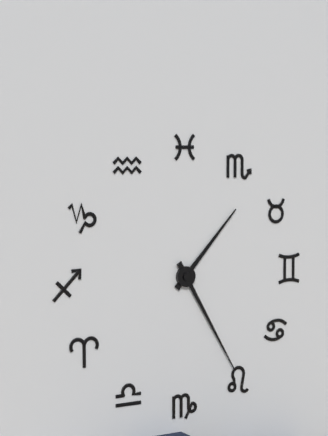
1:25
